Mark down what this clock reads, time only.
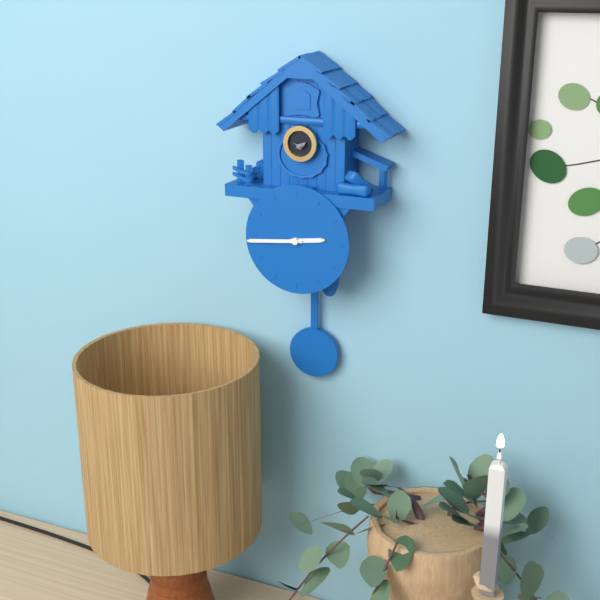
2:44
